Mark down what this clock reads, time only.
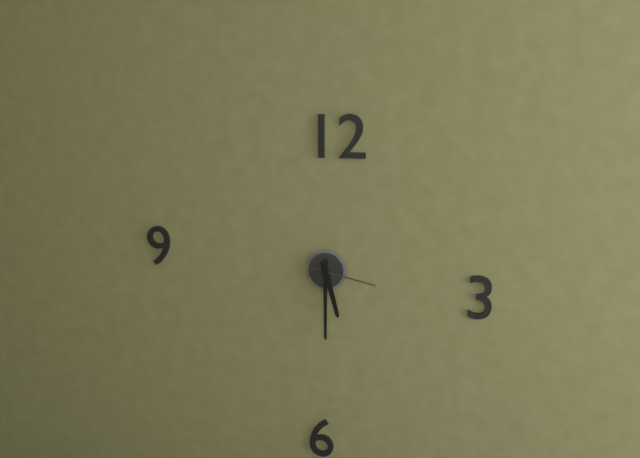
5:30:17
